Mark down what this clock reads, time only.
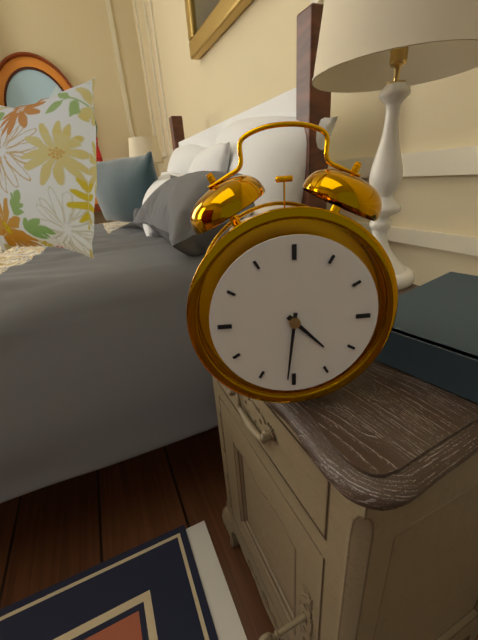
4:31
